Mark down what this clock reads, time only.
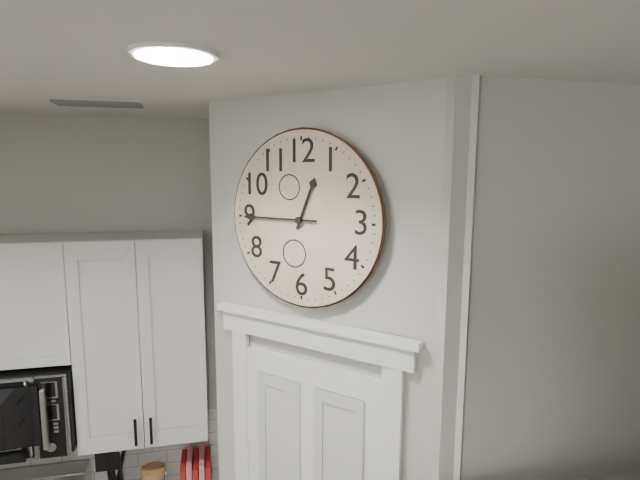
12:45
